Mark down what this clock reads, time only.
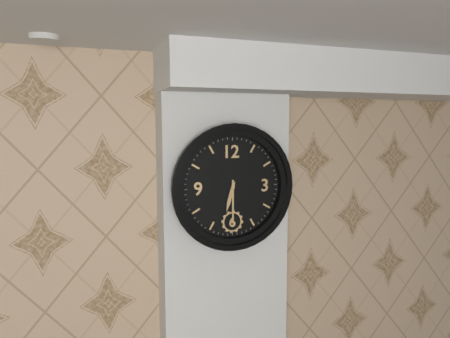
6:30
